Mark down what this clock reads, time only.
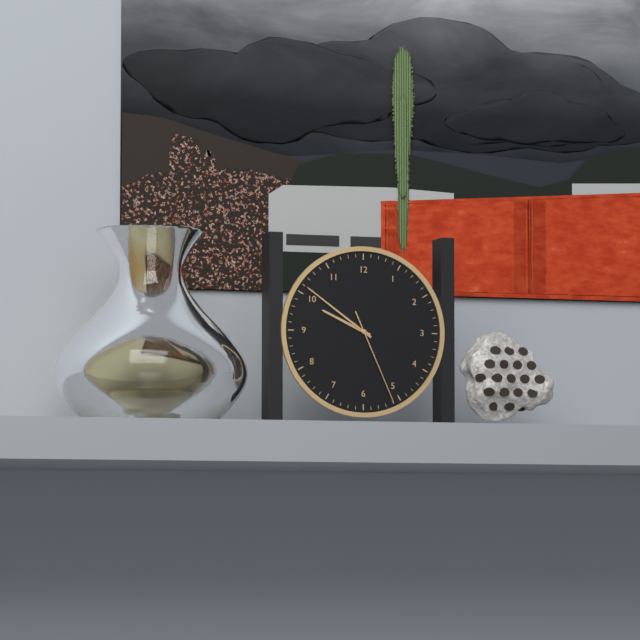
9:51:26
